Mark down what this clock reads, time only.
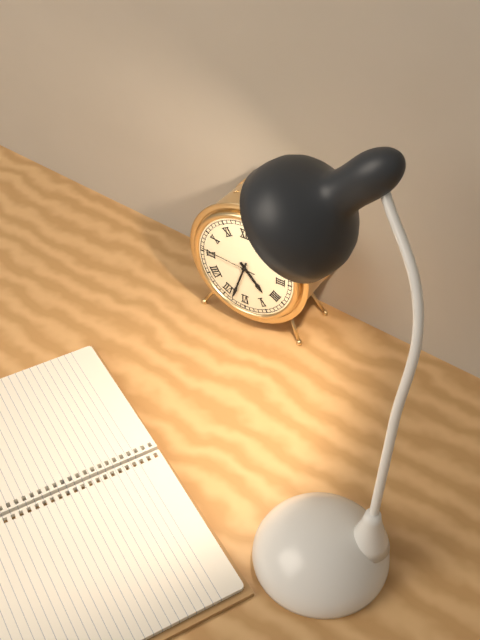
4:33:46
